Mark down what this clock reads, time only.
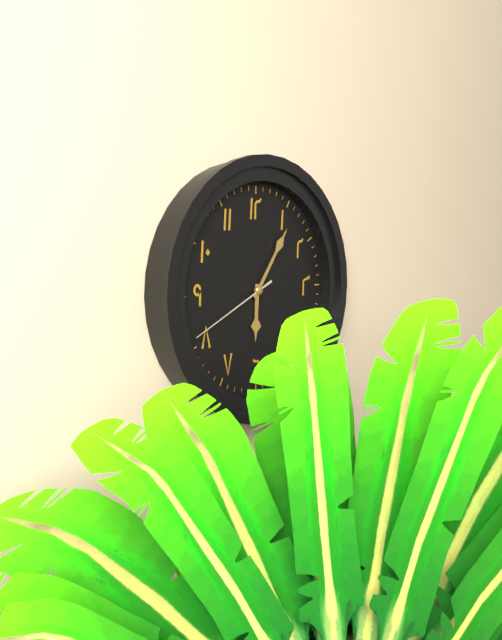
6:06:41
